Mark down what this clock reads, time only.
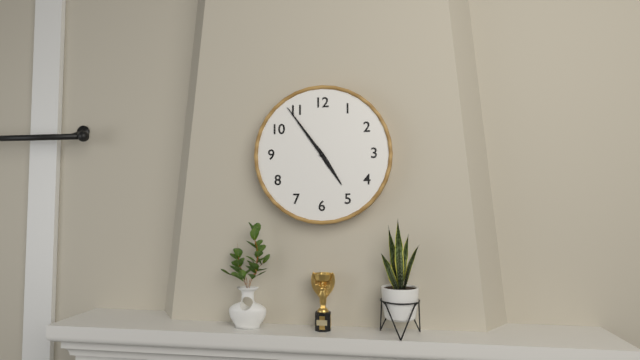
4:54
